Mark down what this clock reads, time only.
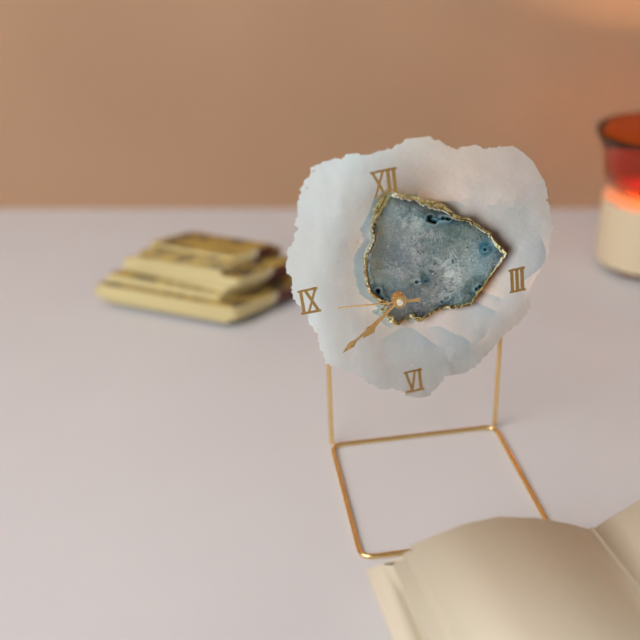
7:39:46
